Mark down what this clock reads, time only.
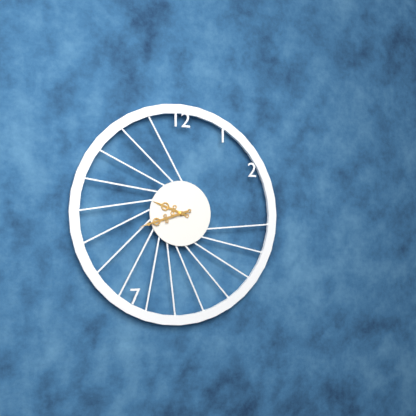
9:42
